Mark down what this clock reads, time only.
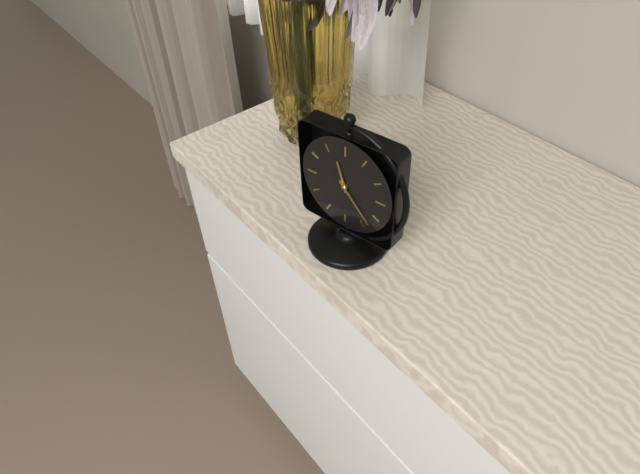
11:23
